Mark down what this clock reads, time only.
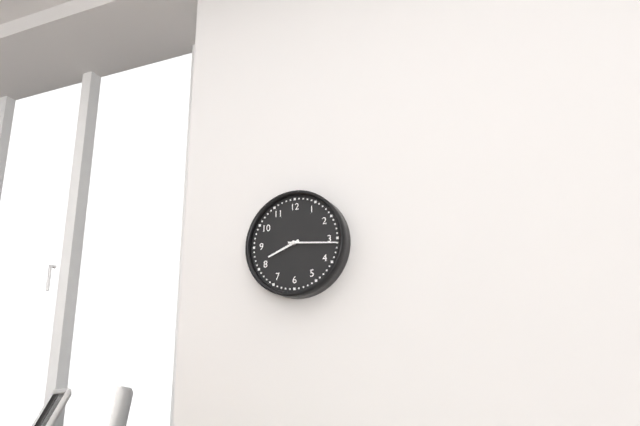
8:16
